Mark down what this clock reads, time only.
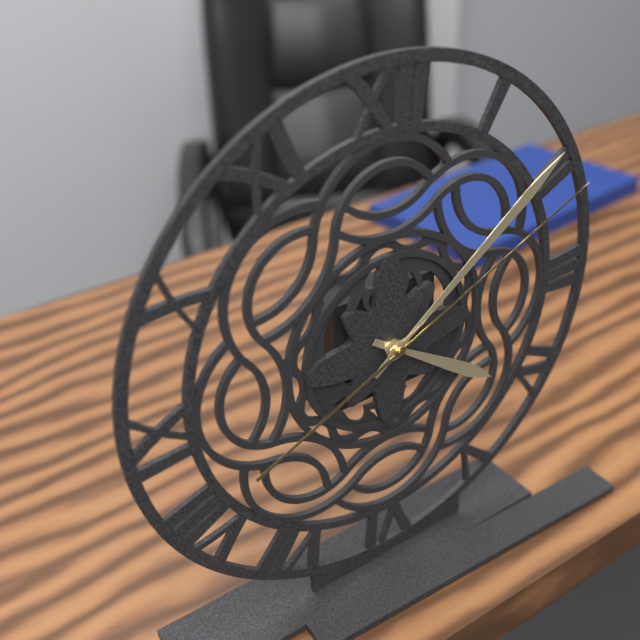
4:09:11
